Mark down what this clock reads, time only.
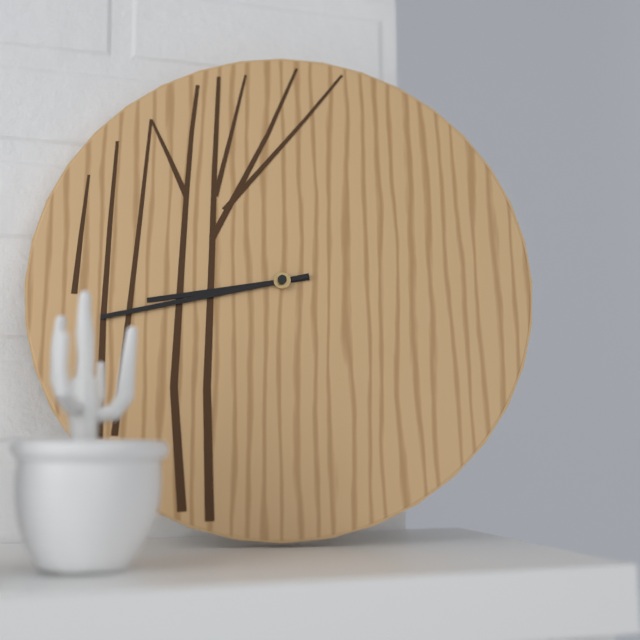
8:43
